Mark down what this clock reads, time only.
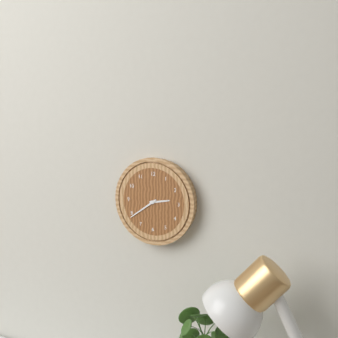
2:39
